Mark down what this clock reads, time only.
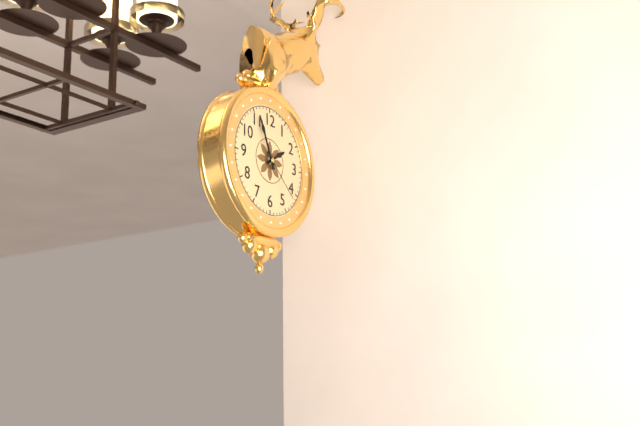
1:56:22
